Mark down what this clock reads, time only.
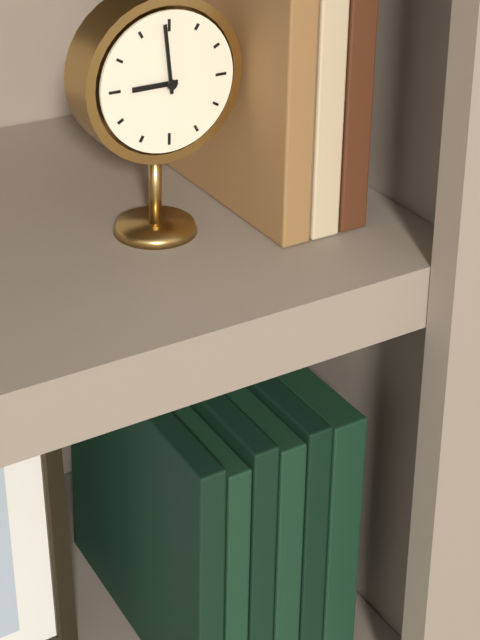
8:59
